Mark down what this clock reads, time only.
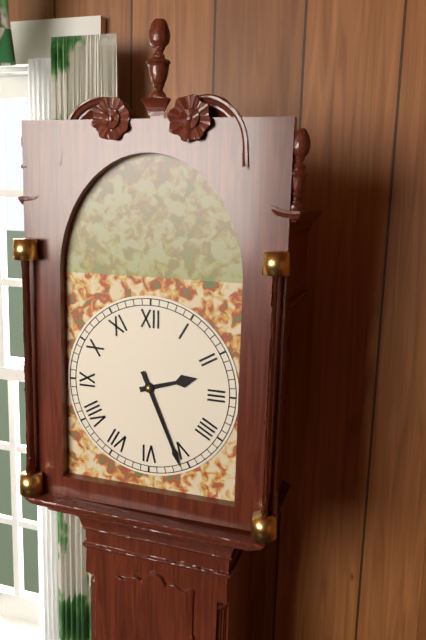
2:26
